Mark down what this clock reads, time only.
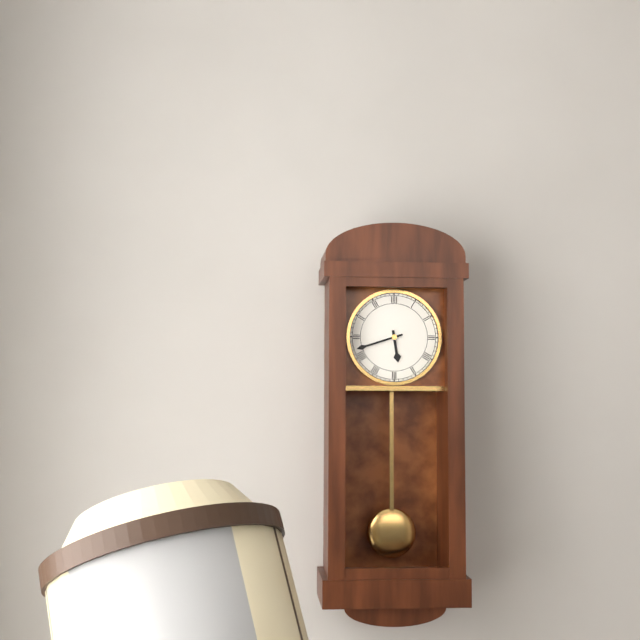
5:42
